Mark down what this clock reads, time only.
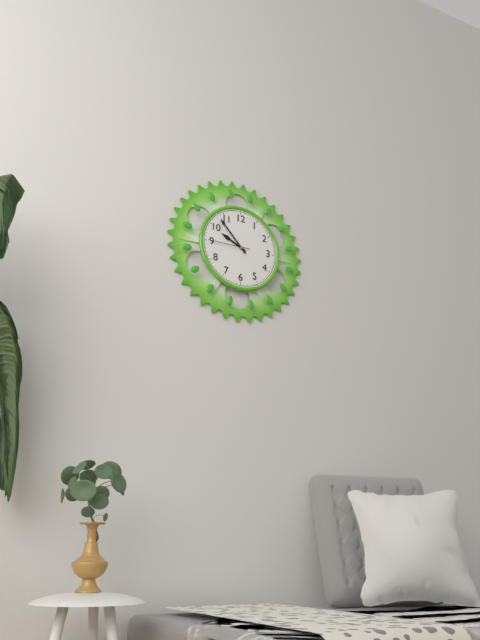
9:53
